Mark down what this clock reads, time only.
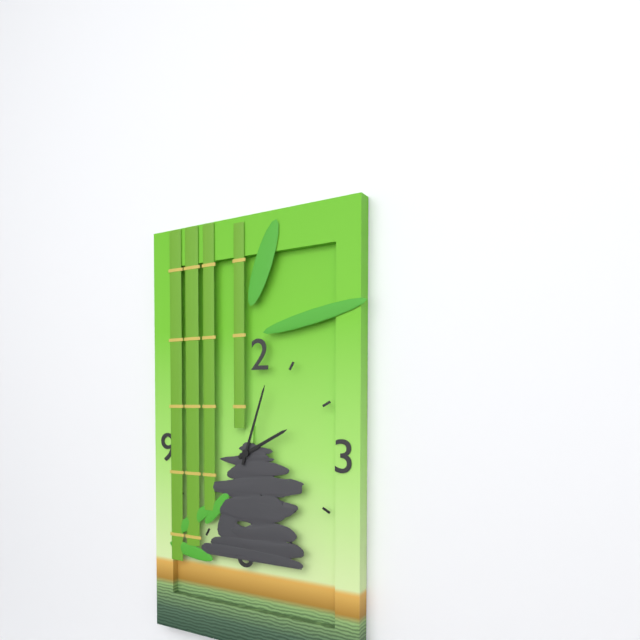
2:03
